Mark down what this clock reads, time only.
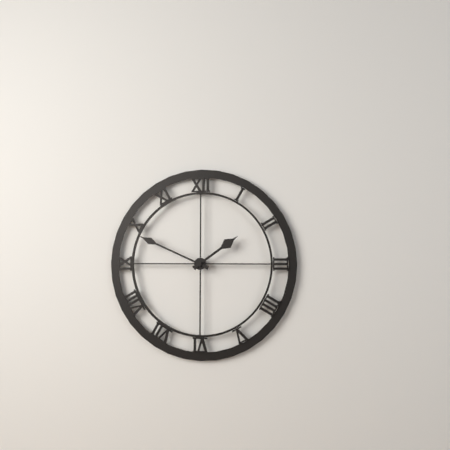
1:49
